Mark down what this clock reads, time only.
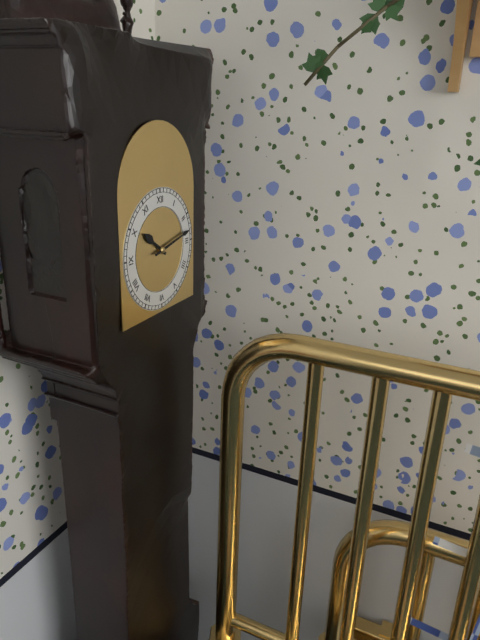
10:13
